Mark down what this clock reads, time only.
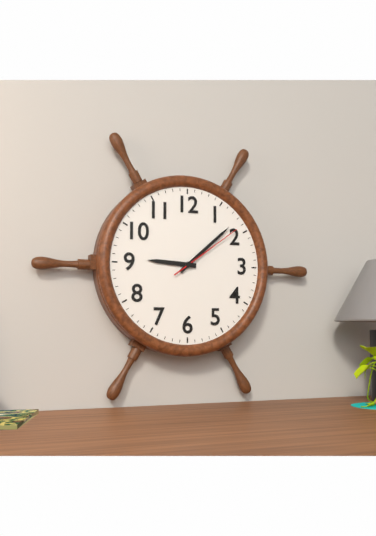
9:08:09
